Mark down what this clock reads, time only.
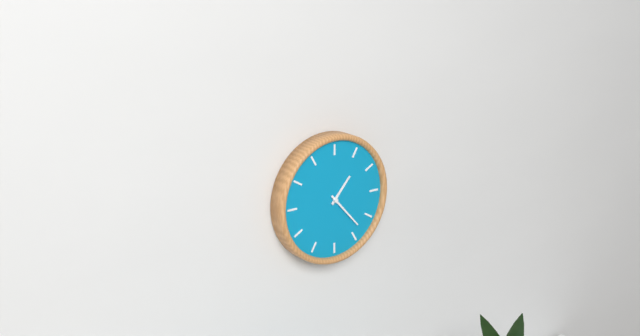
1:23
